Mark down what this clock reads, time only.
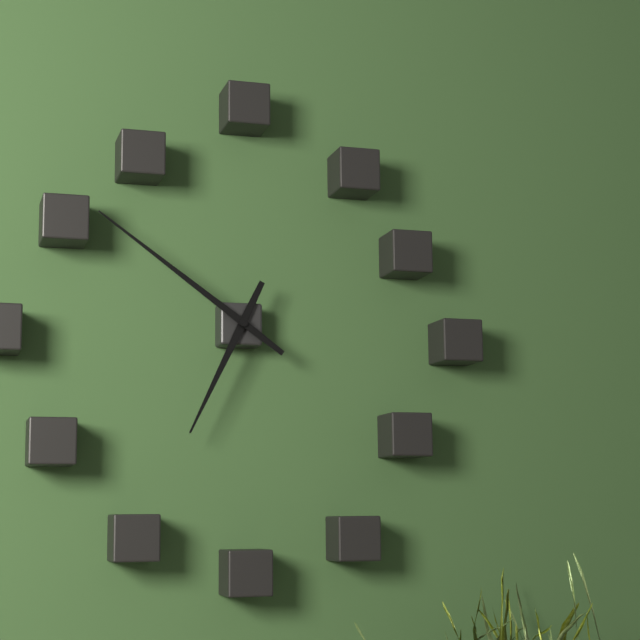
6:51
